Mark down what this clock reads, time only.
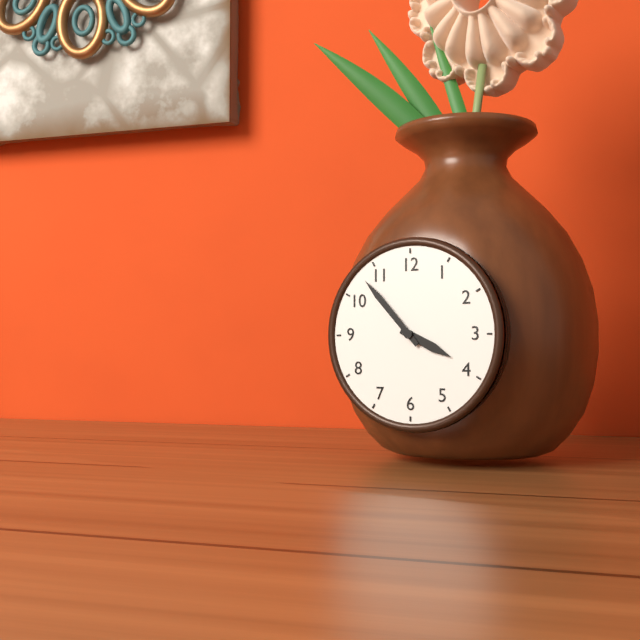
3:53
